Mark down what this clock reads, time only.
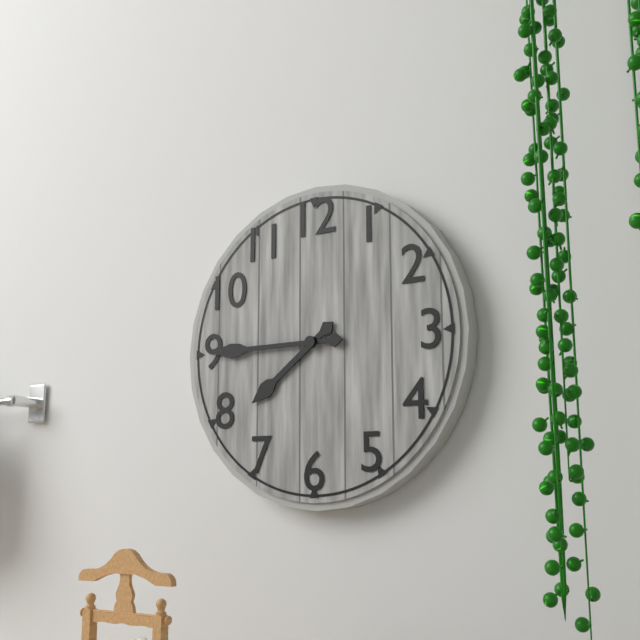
7:45
